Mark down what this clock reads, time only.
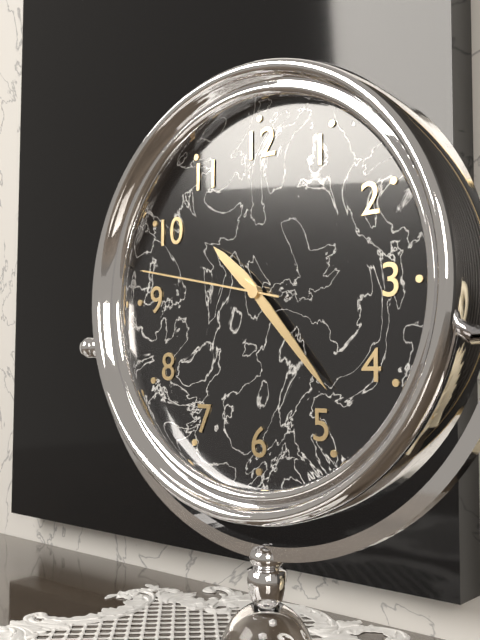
10:23:47
